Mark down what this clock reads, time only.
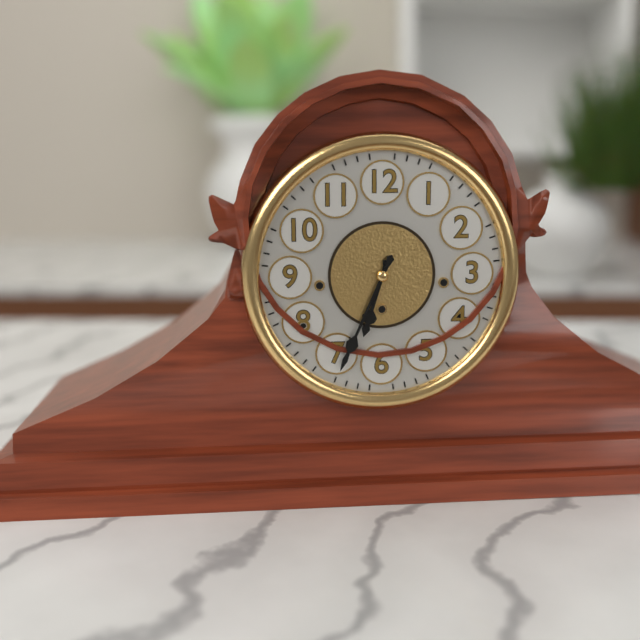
6:34
